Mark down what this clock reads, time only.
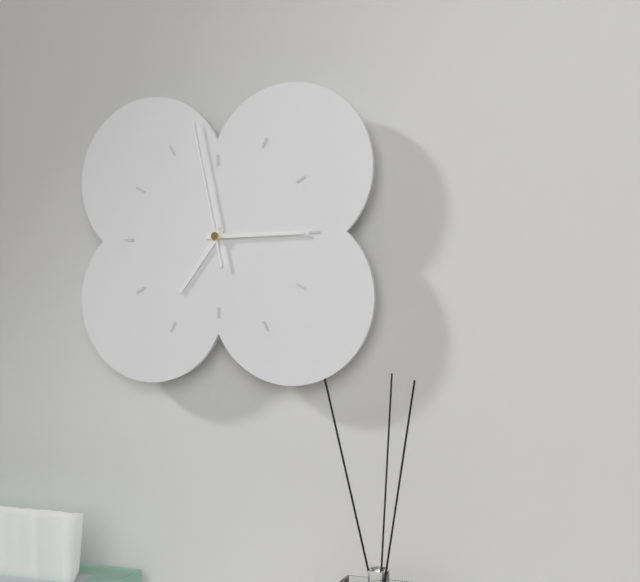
7:15:58
